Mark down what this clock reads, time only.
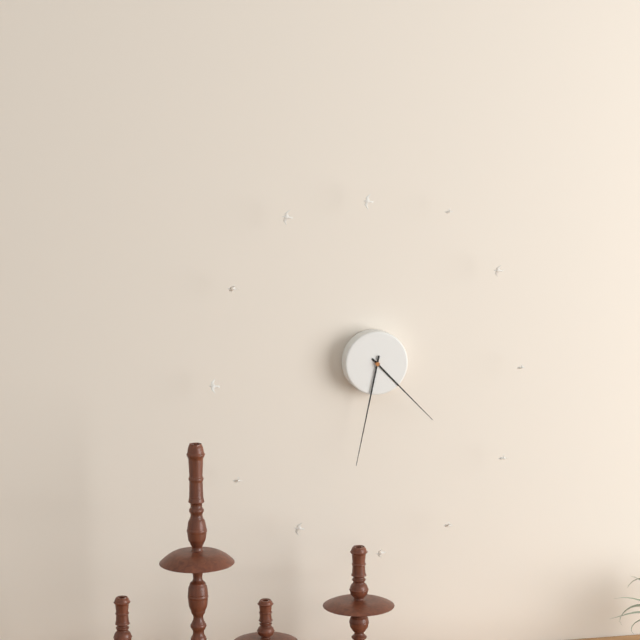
4:32
